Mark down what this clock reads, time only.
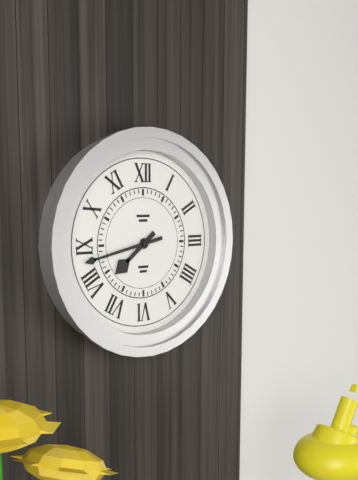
7:43
